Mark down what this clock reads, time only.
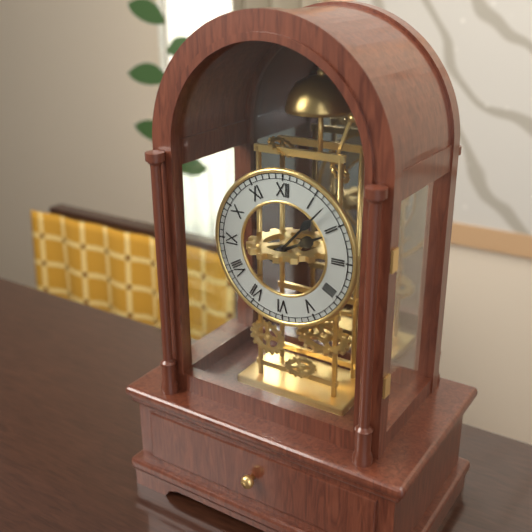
2:07
